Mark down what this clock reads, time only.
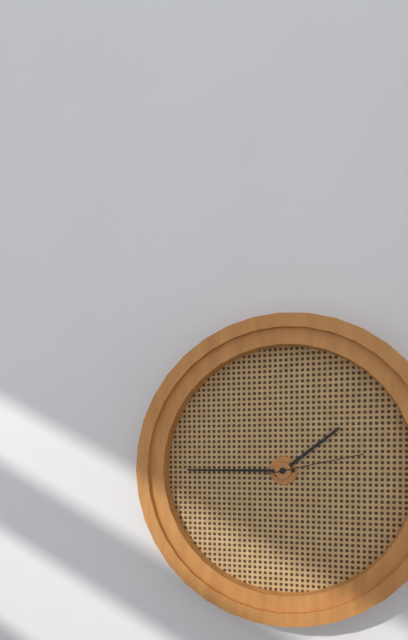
1:45:13
